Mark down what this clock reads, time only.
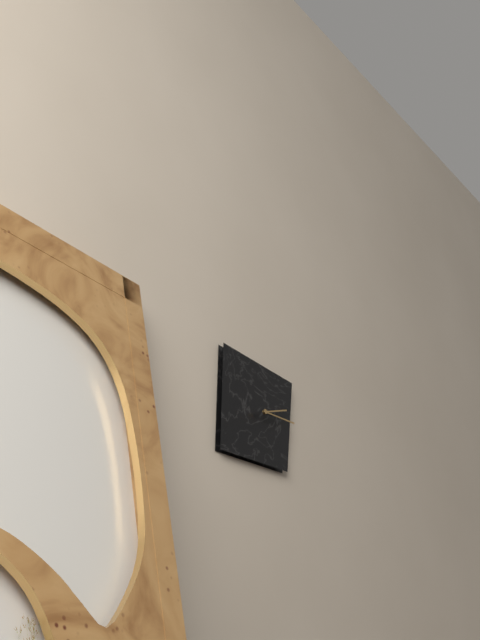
2:14
